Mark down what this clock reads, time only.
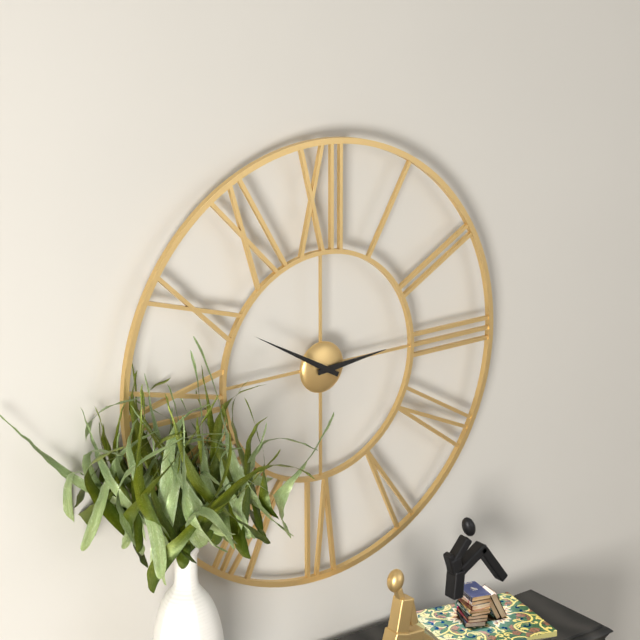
2:50
